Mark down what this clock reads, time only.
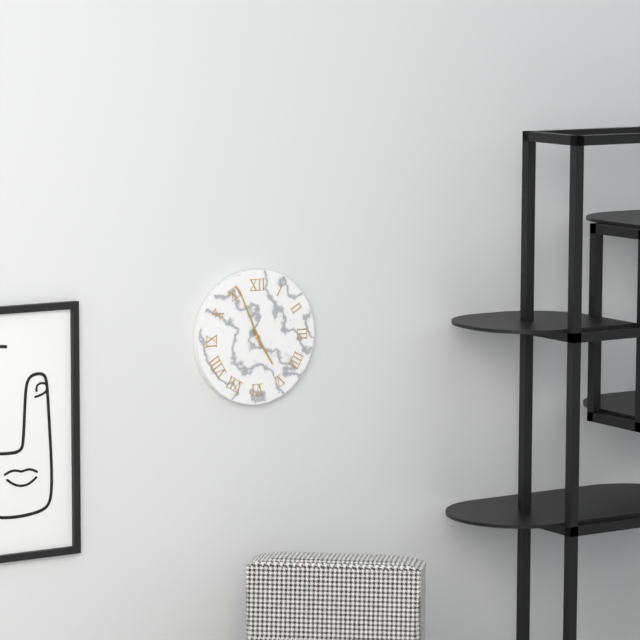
4:56
